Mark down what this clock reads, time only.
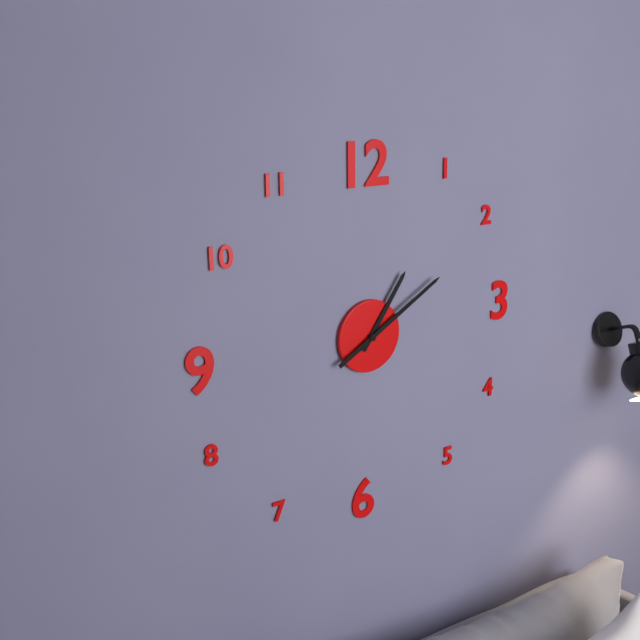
1:10
